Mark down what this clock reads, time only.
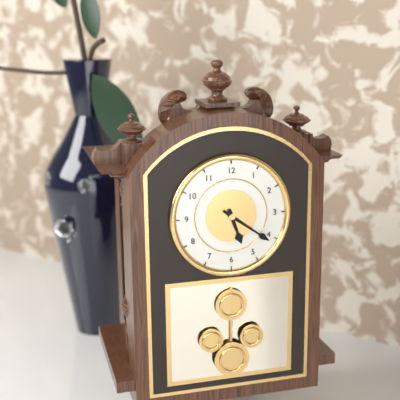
5:21
